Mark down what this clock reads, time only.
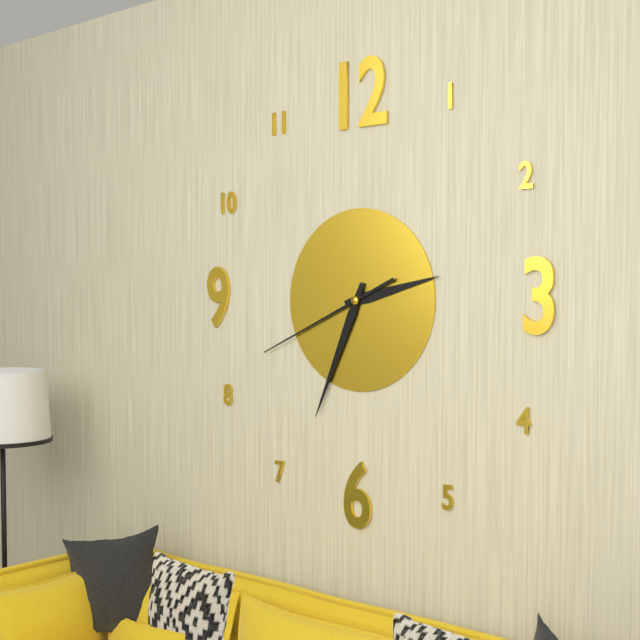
2:34:41
